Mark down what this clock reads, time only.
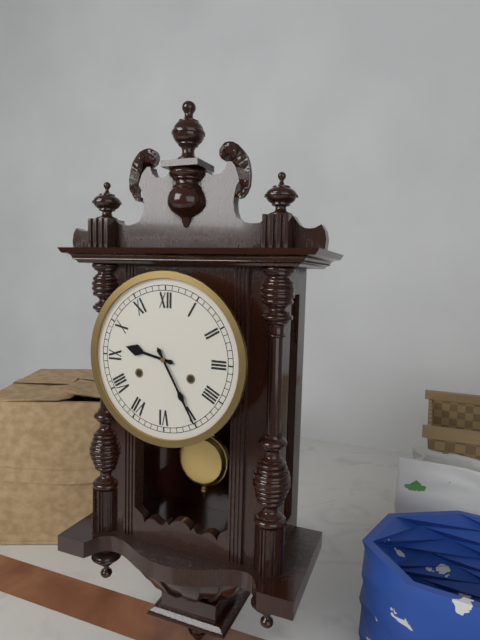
9:25
